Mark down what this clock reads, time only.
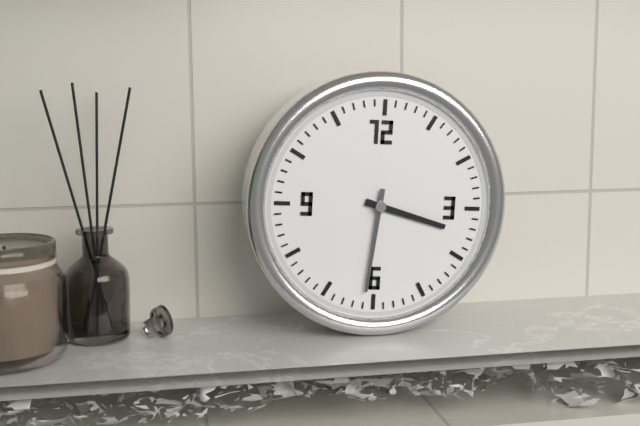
3:31
